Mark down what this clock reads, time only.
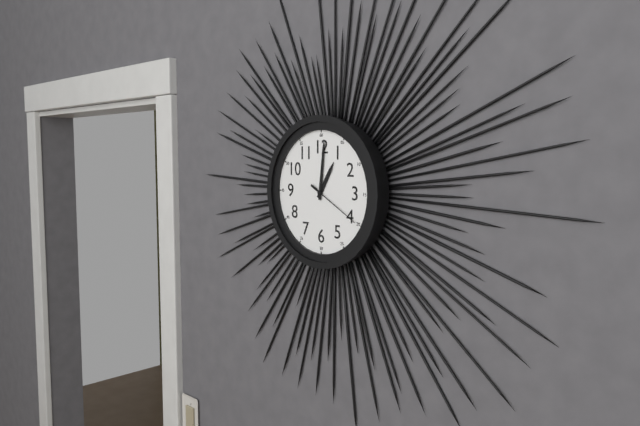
1:01:20
